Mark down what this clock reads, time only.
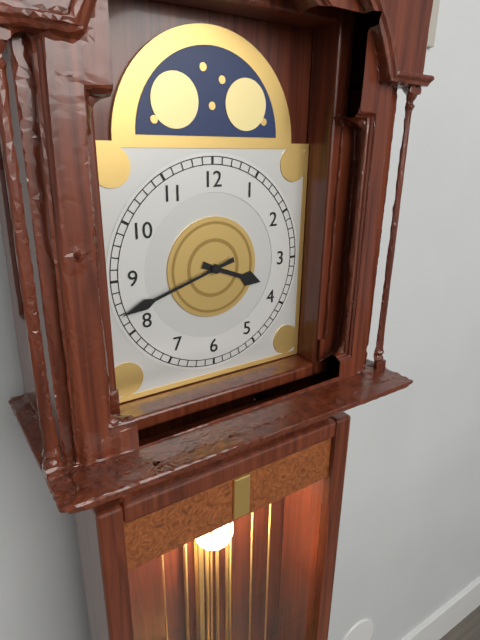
3:42
